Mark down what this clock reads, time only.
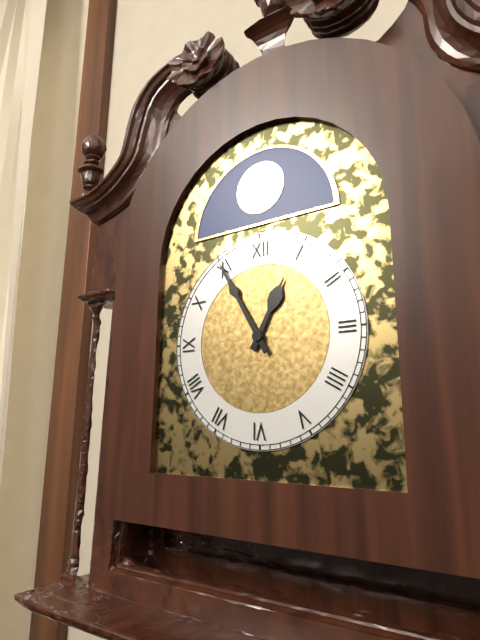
12:55
